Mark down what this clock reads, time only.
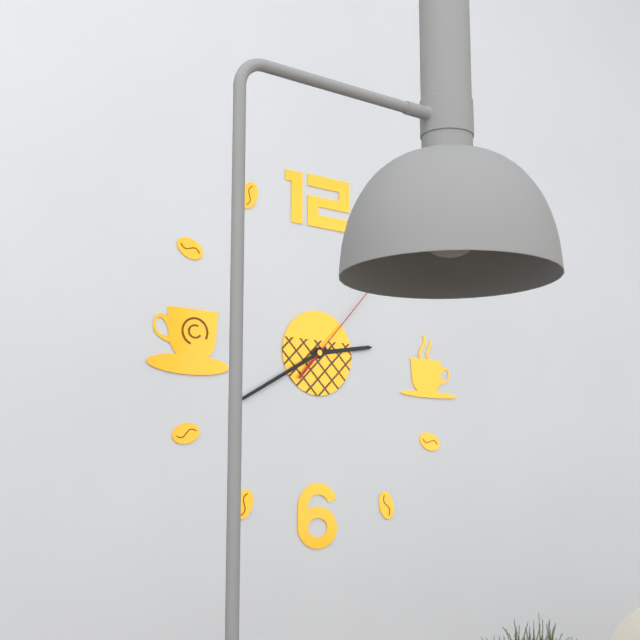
2:40:07
